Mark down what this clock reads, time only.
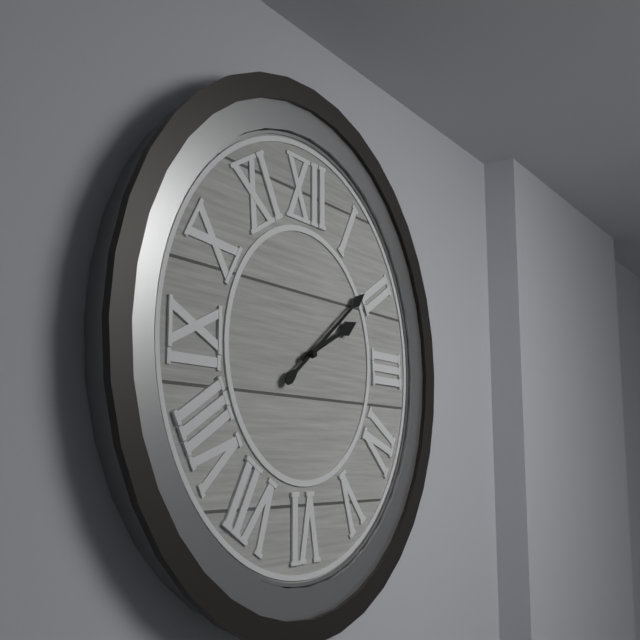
2:09
